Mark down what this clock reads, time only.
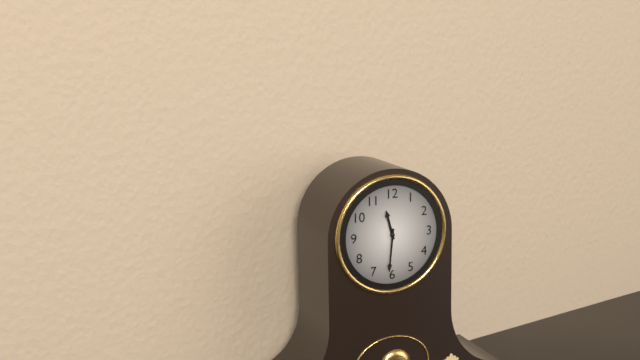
11:31
